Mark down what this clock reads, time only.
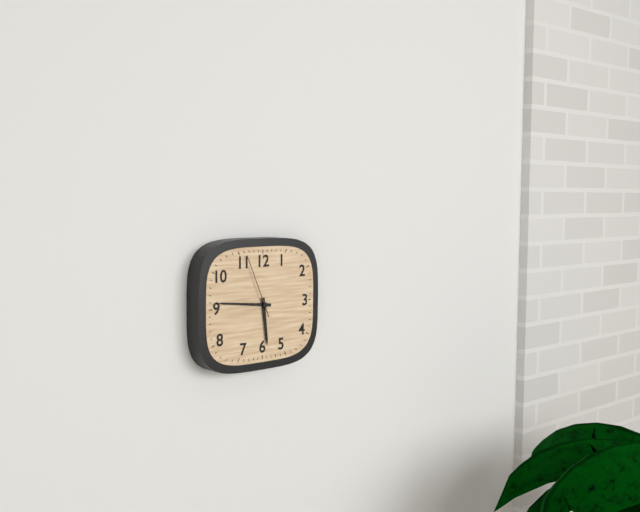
5:46:56
